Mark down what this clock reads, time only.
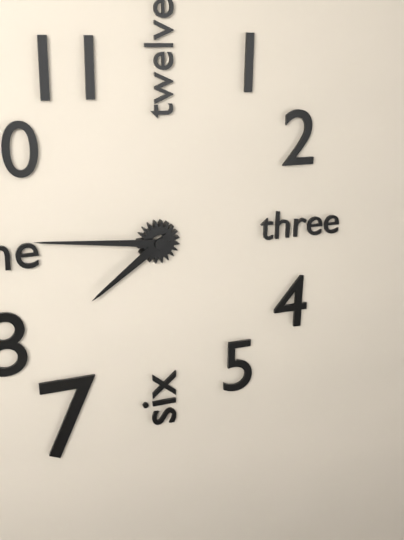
7:46
